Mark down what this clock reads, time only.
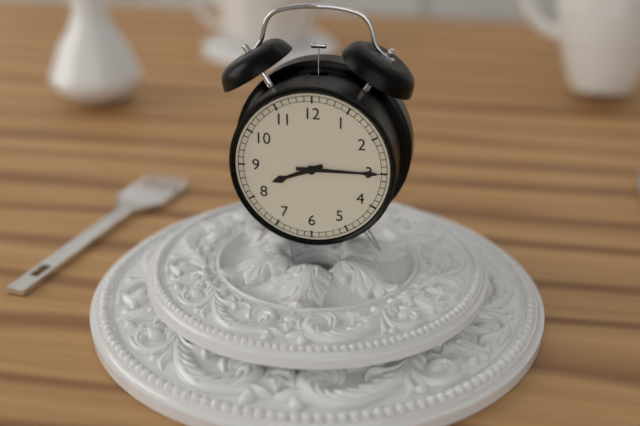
8:15
